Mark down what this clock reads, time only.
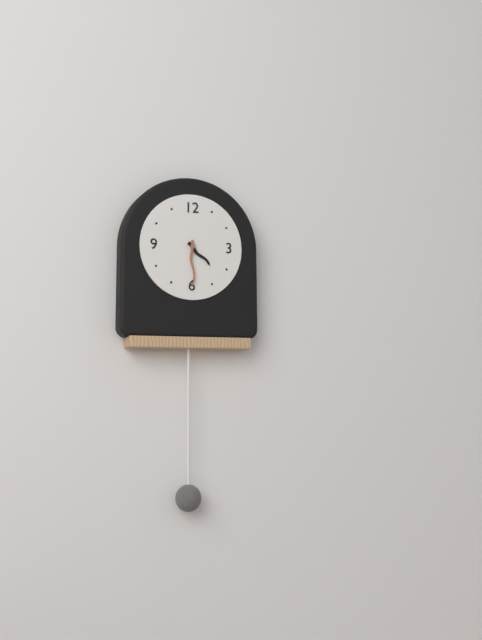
4:30
